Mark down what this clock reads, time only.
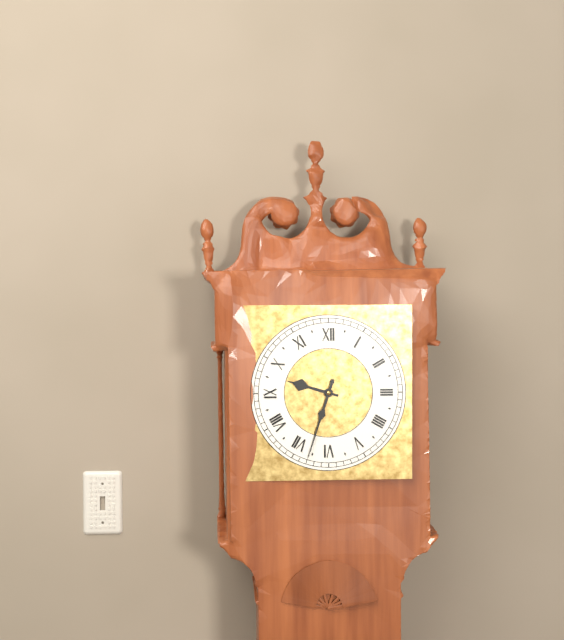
9:33
